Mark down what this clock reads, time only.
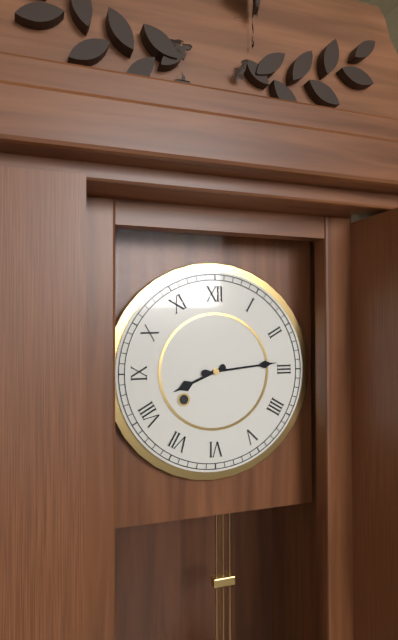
8:14
